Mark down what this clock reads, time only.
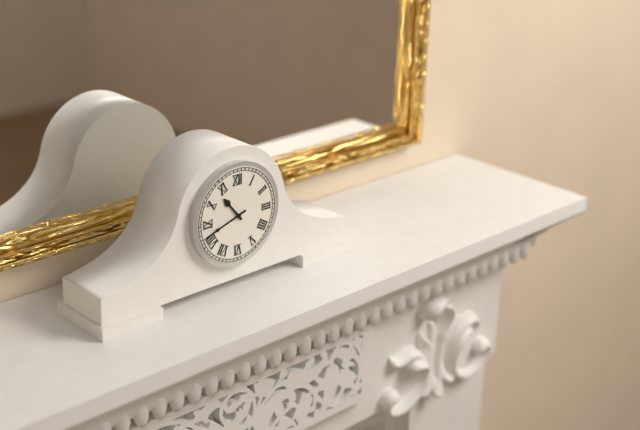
10:42
